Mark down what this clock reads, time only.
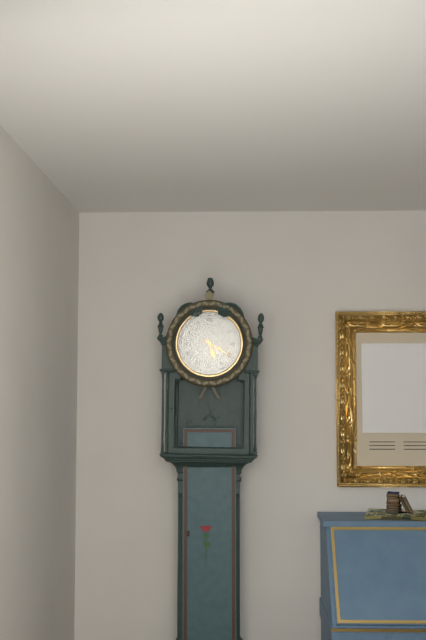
5:20
